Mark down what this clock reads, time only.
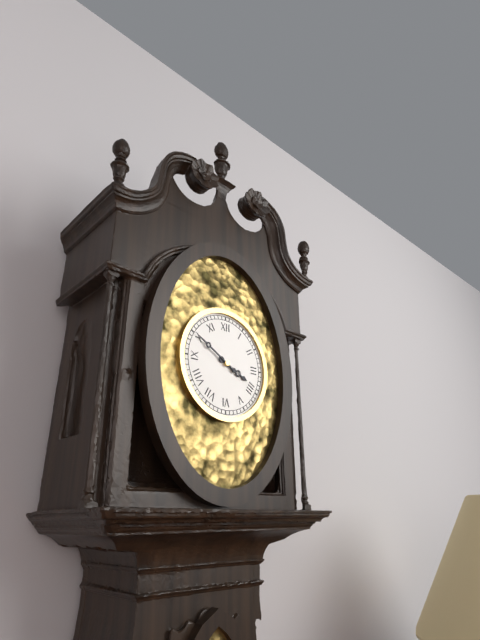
3:50
